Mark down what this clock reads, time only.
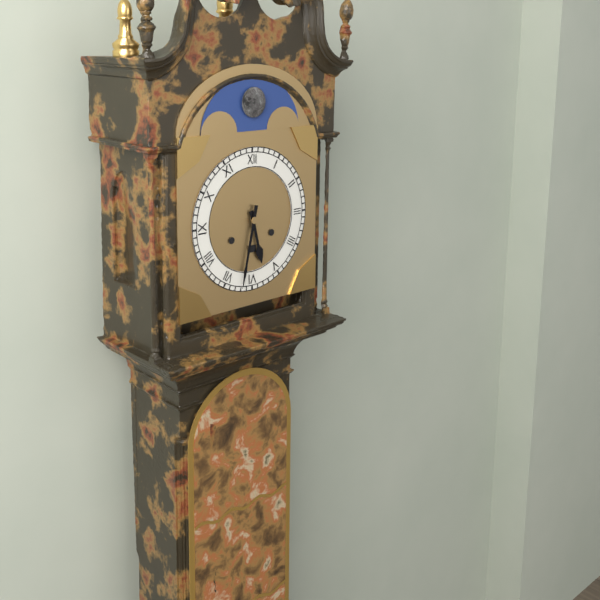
5:32
